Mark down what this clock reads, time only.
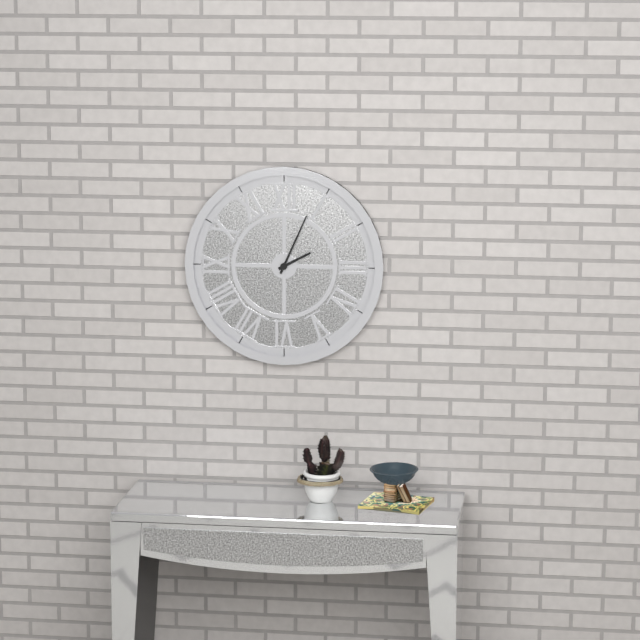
2:04
